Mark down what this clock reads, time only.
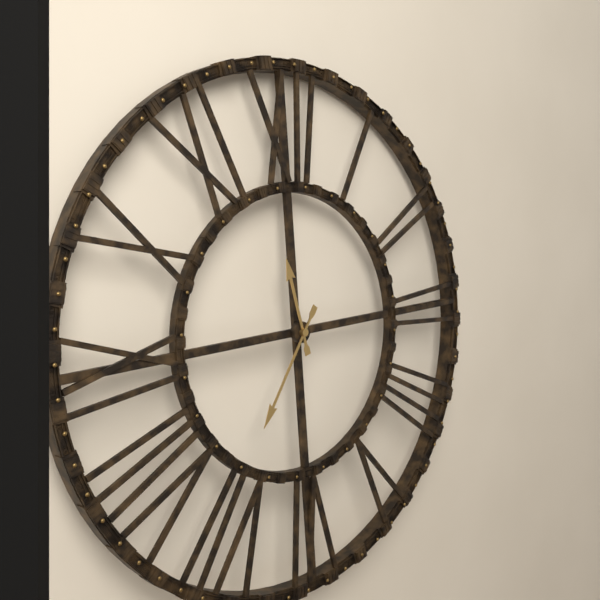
11:36
